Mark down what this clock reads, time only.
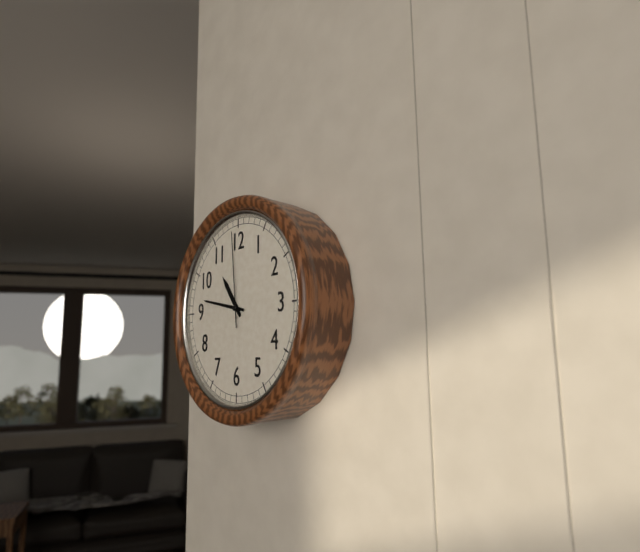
10:47:59
